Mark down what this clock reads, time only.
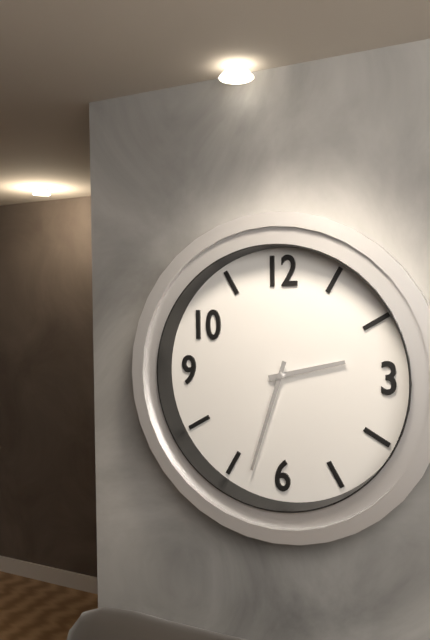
2:33
